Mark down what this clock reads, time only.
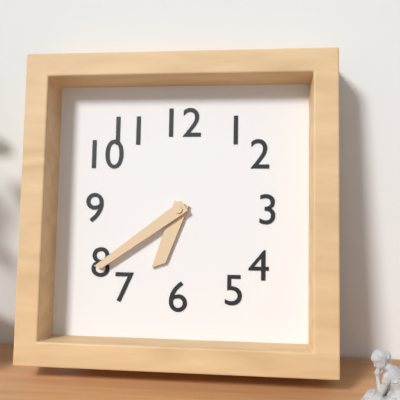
6:39
